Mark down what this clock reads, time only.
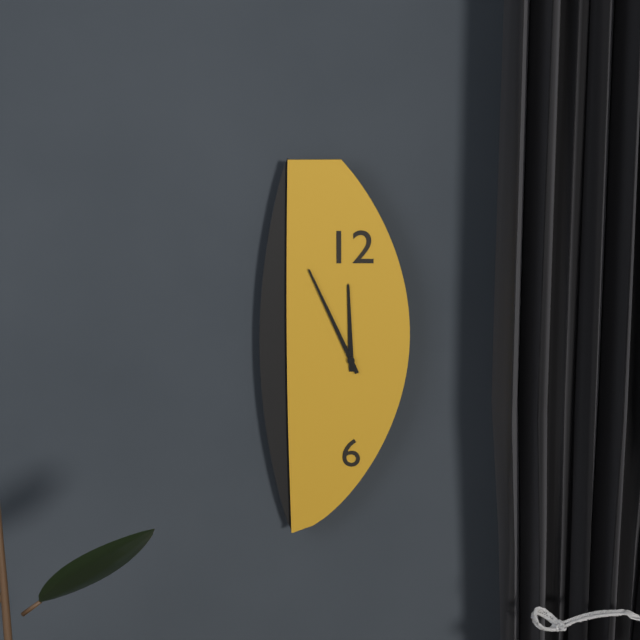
11:56
